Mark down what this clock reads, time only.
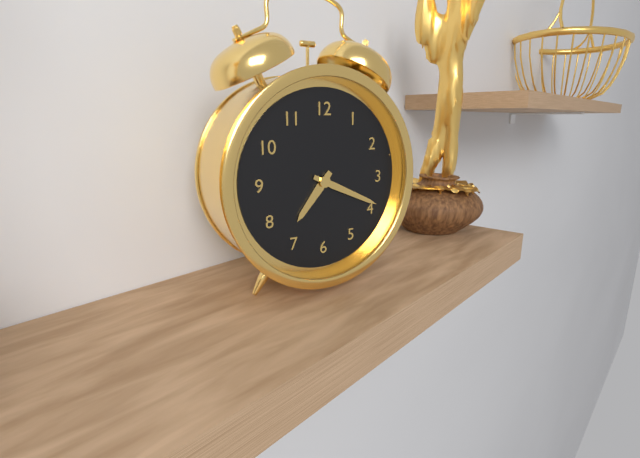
7:19
